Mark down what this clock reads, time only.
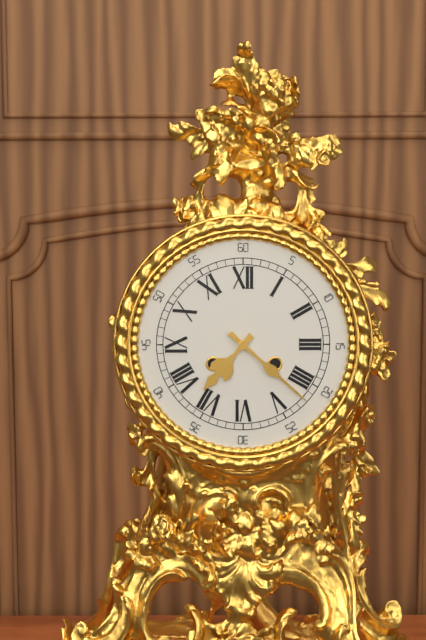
7:22
